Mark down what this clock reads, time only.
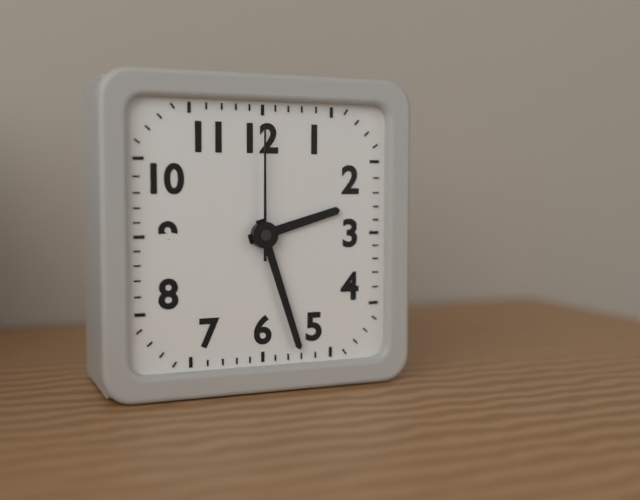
2:27:00
